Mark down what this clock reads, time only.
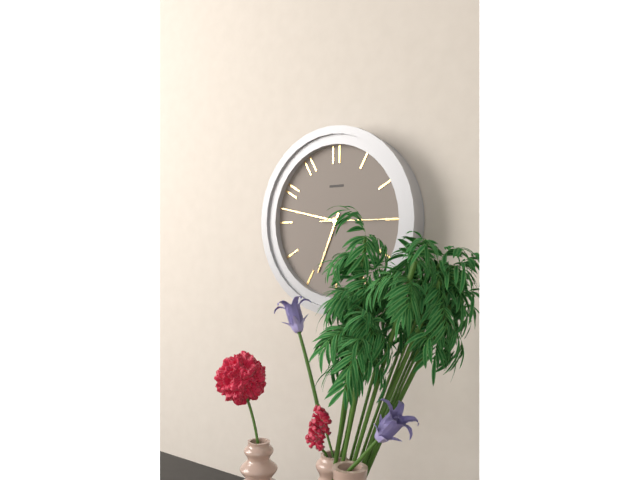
6:47:15
